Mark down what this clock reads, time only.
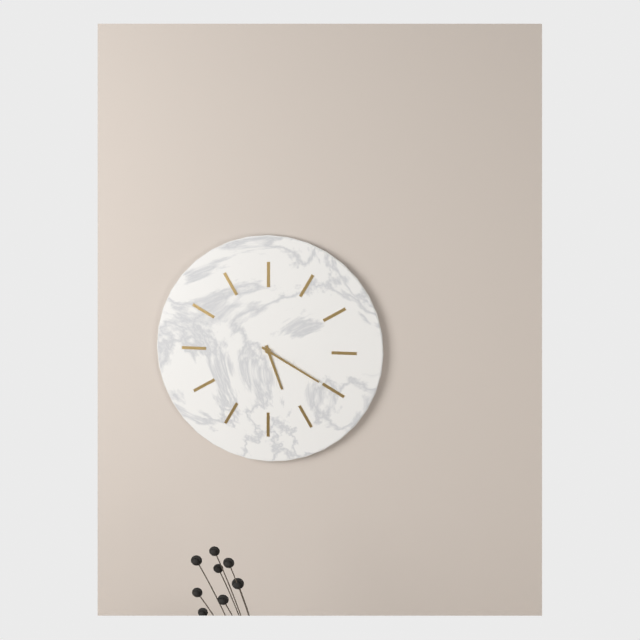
5:20
